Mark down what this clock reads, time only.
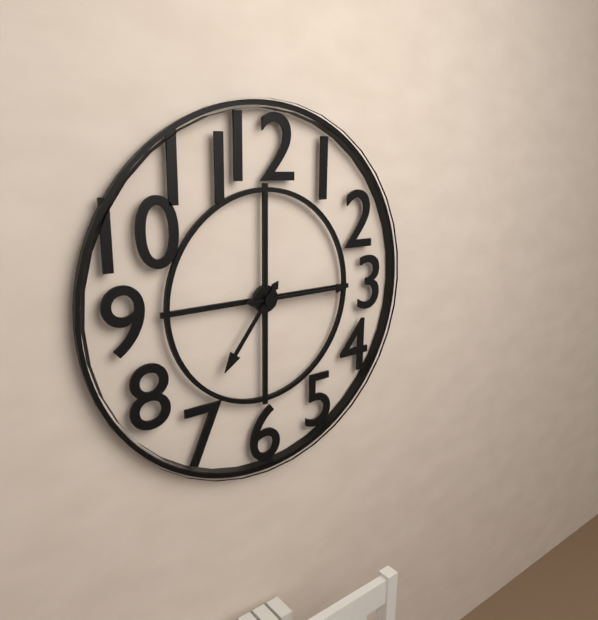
7:15
